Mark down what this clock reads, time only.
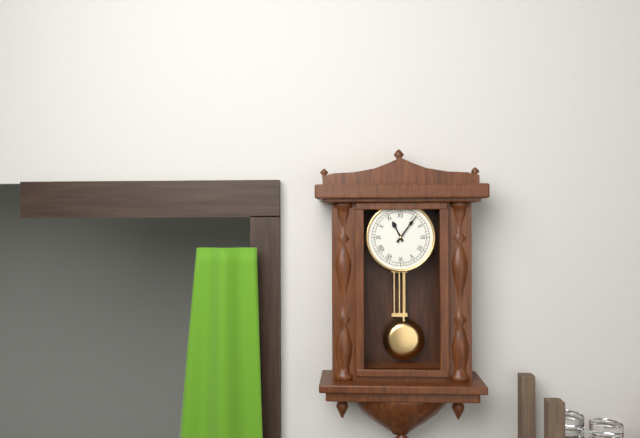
11:06
